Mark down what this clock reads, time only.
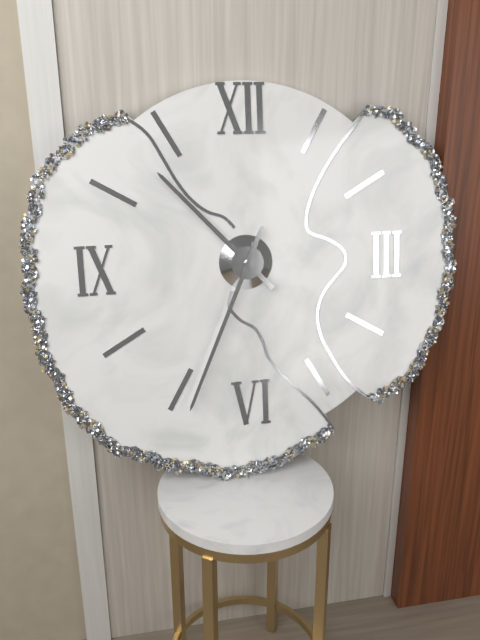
10:34
